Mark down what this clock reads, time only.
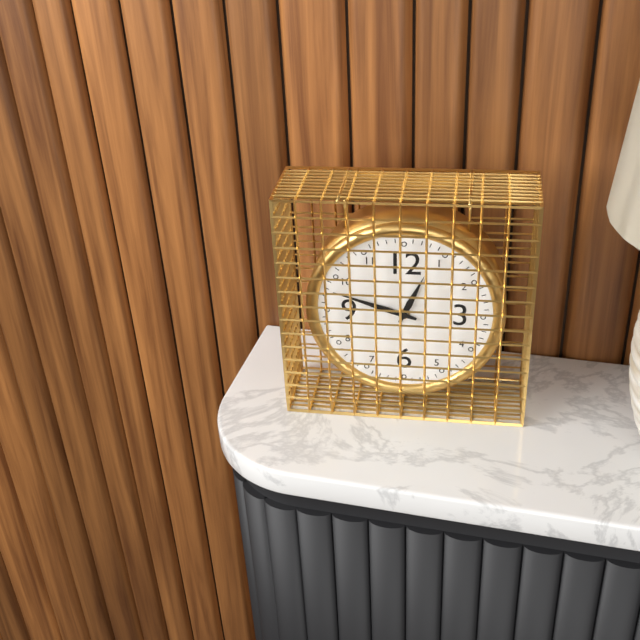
12:48
